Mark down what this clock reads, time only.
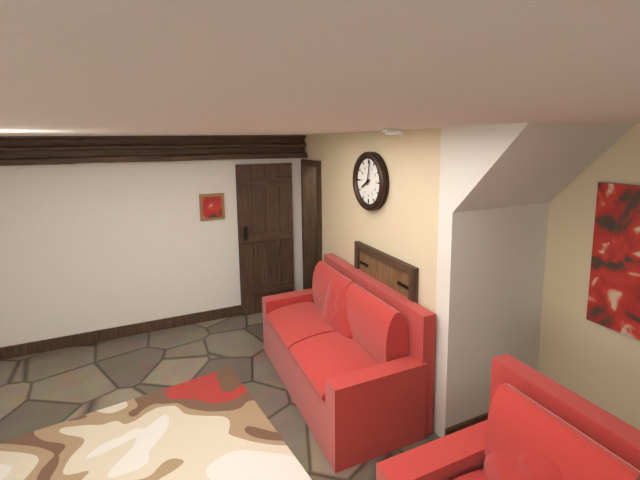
8:02
